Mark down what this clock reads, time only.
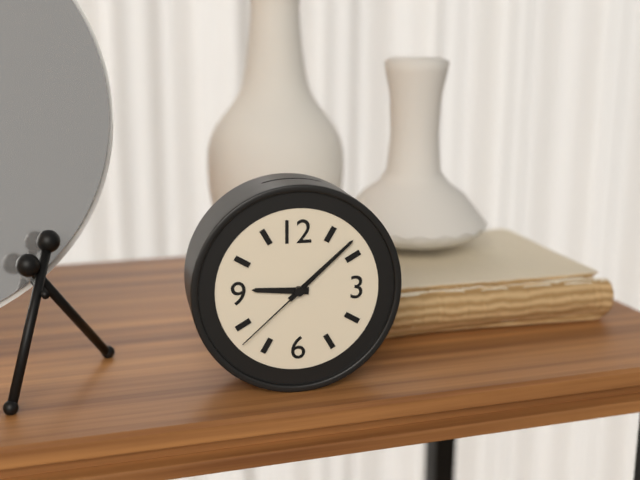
9:08:38
